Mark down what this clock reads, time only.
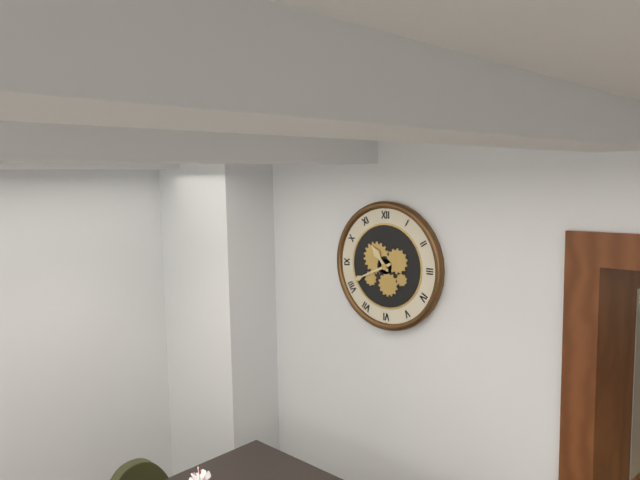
10:41
